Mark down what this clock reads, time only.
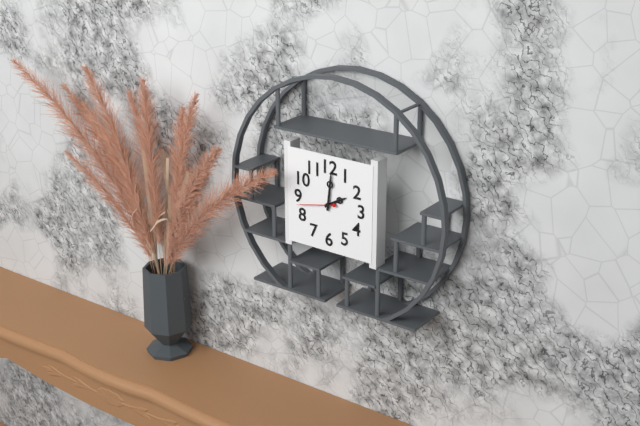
2:01
